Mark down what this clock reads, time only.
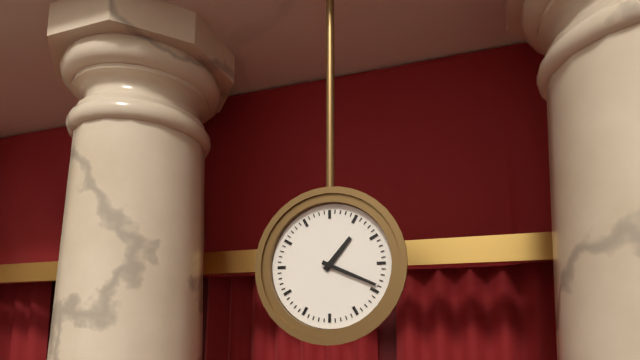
1:19
